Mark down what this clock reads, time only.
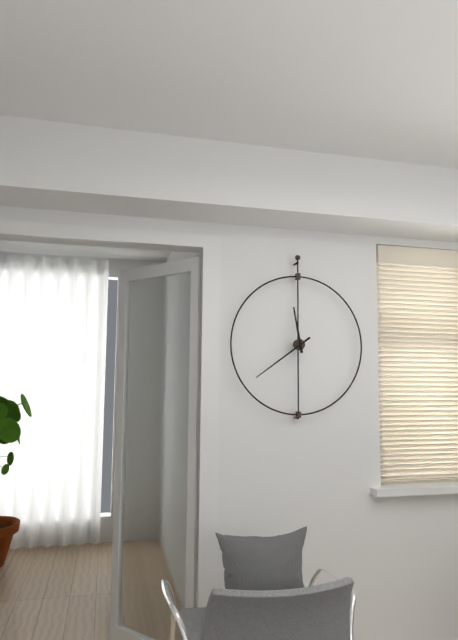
11:39
